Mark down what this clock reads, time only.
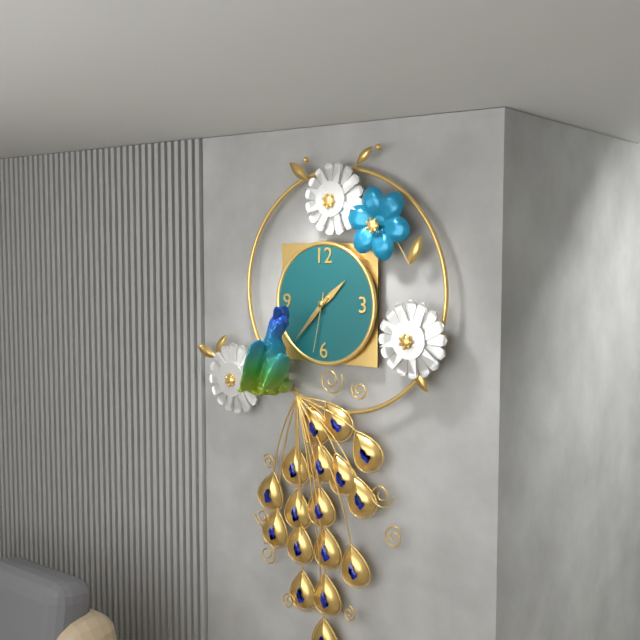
1:37:32
